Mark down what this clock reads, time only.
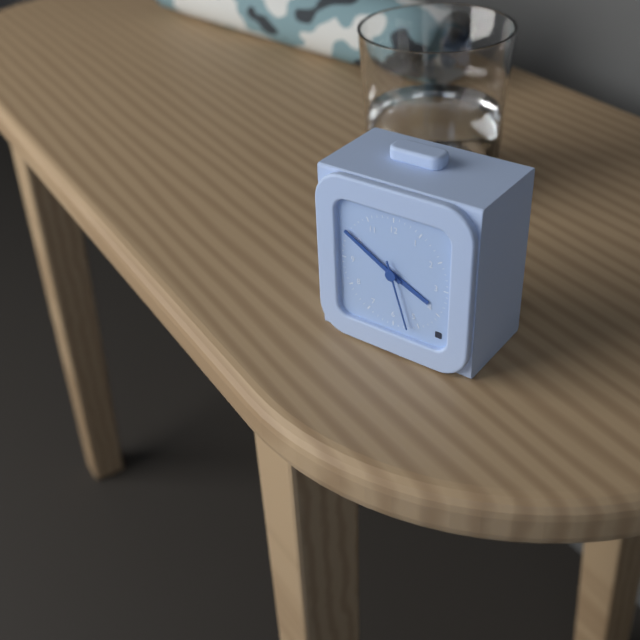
3:50:27
